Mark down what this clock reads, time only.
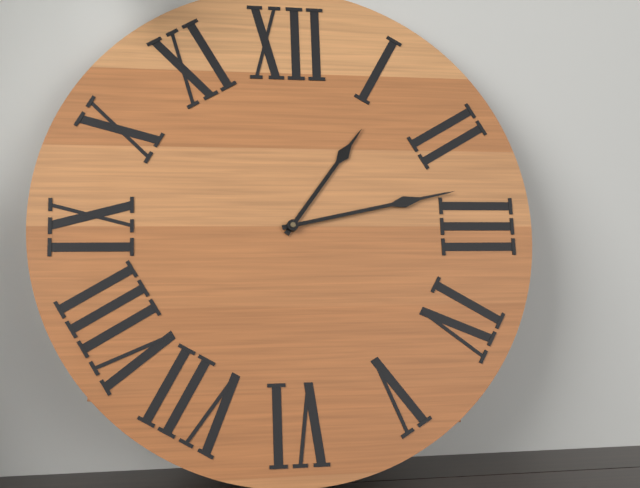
1:13
